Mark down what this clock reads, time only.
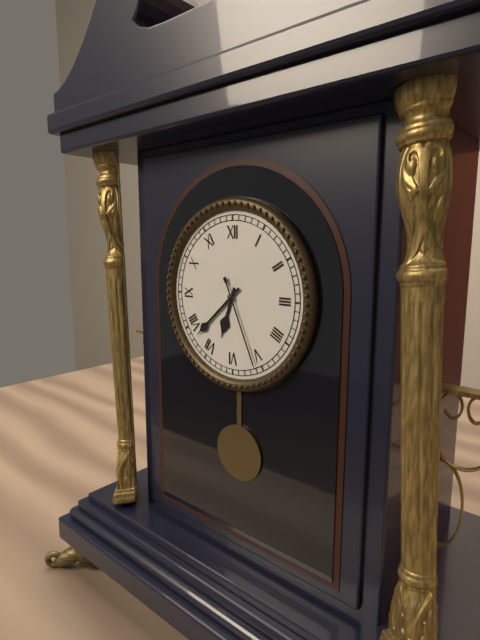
6:38:26
